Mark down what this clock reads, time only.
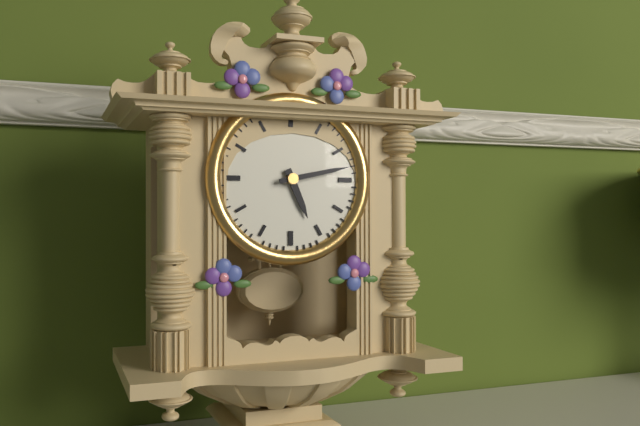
5:13
